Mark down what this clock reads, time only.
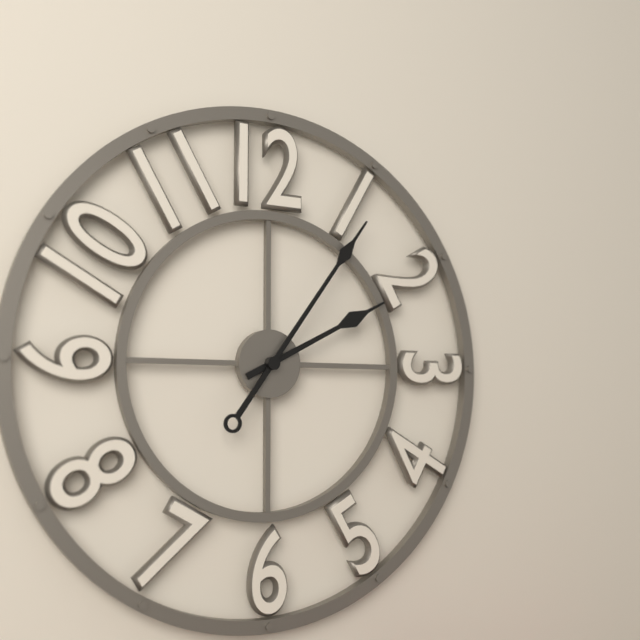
2:06
